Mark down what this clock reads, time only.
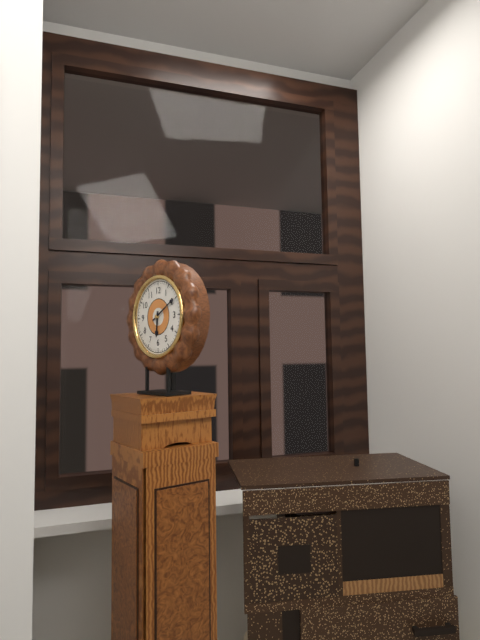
6:10
